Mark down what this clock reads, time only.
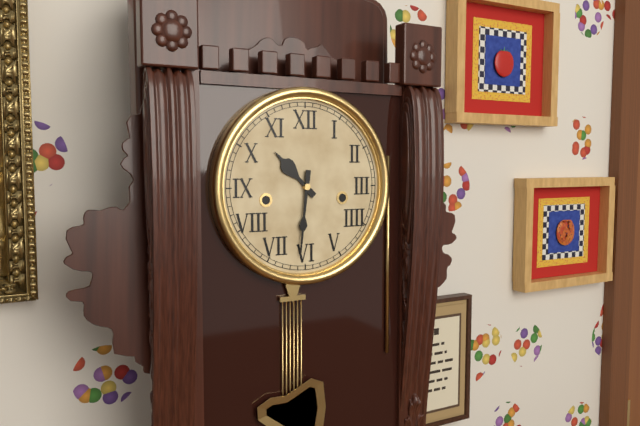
10:31
